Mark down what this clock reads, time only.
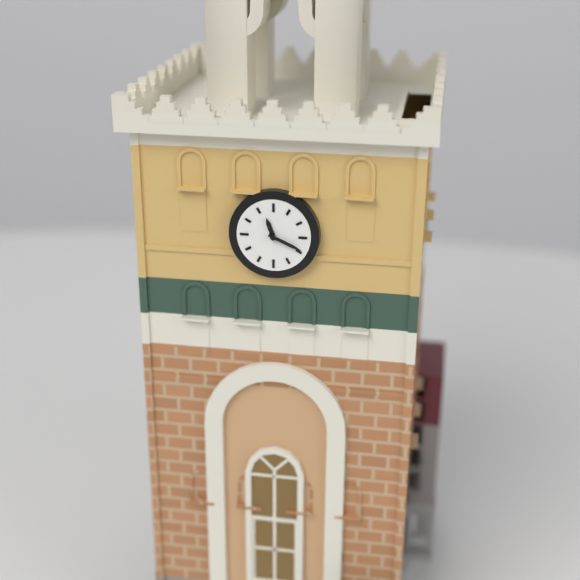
11:19
